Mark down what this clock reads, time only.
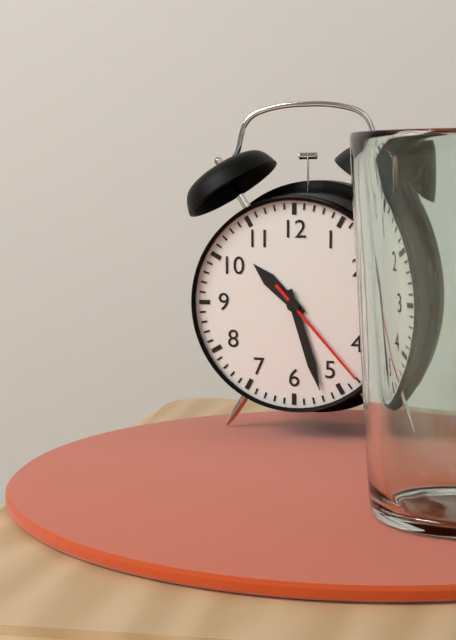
10:27:23
